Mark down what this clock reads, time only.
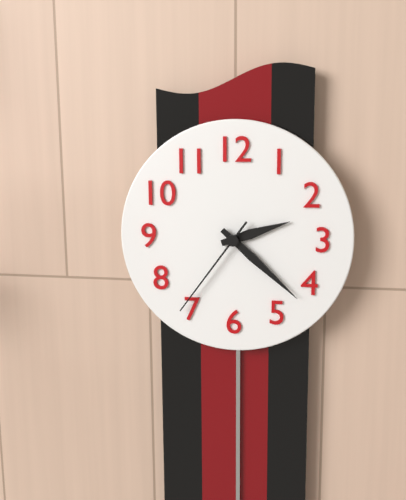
2:22:36
